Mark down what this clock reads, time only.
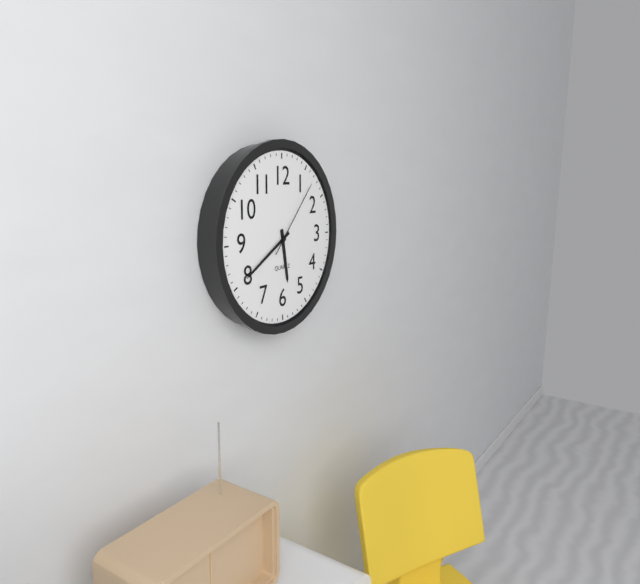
5:40:07
